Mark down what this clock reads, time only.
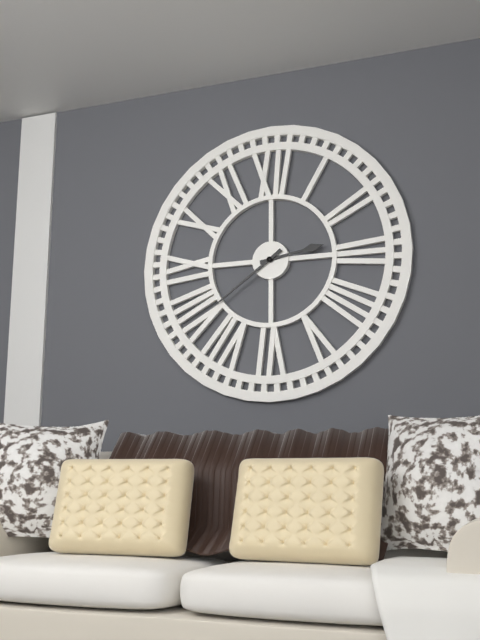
2:39
